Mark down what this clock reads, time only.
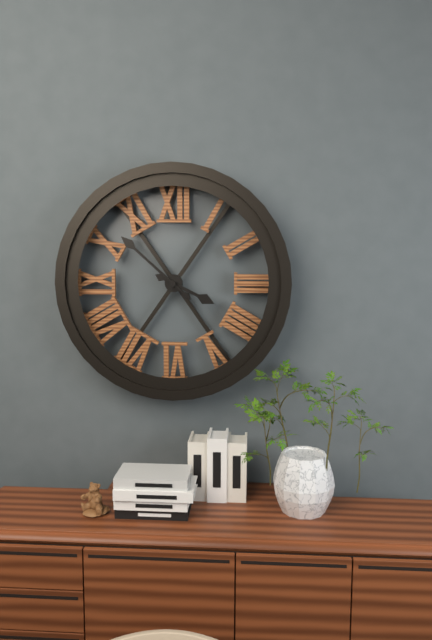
3:52
